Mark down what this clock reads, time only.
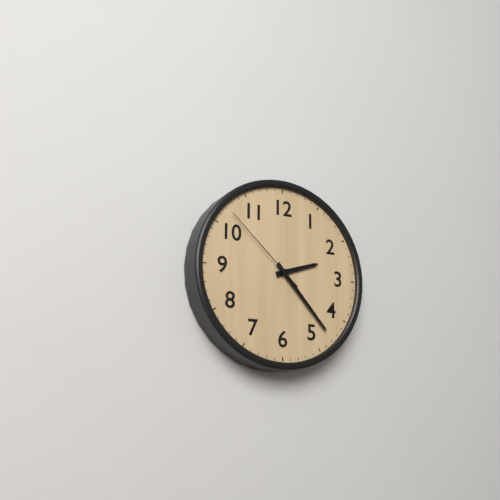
2:23:52
